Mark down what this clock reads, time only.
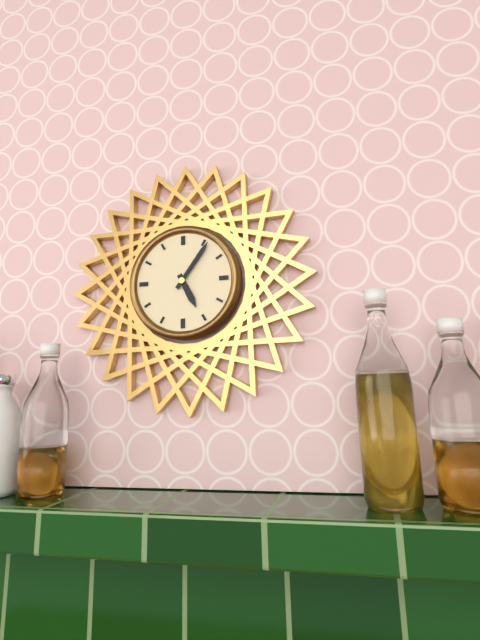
5:06
